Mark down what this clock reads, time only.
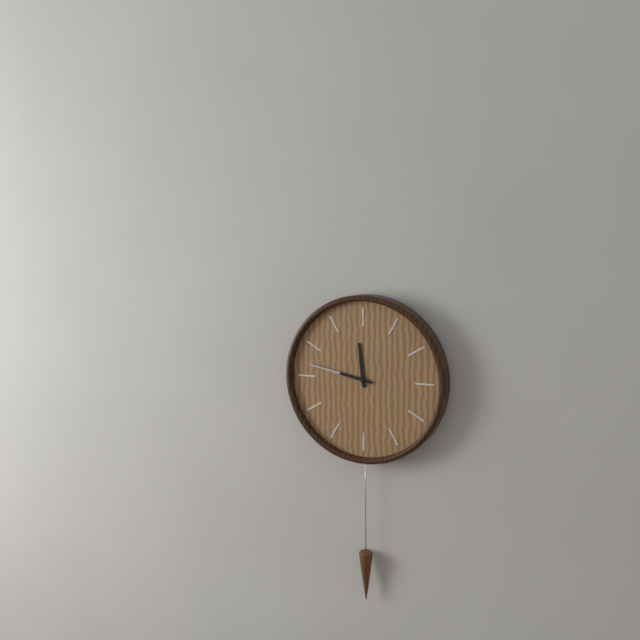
11:47
